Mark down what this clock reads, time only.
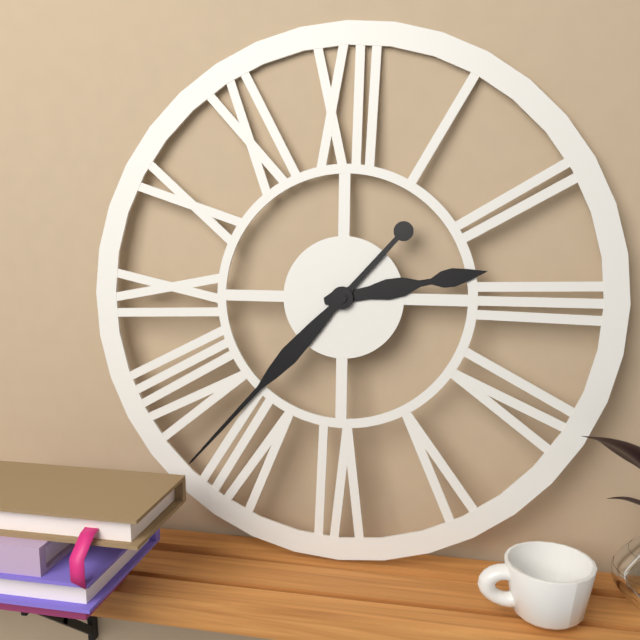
2:37
